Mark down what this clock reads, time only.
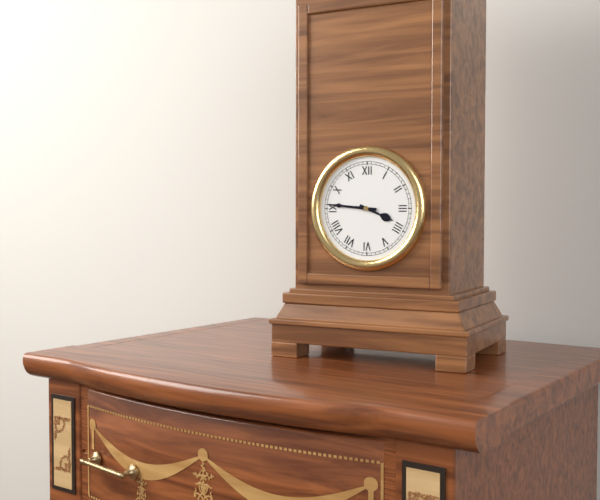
3:46
